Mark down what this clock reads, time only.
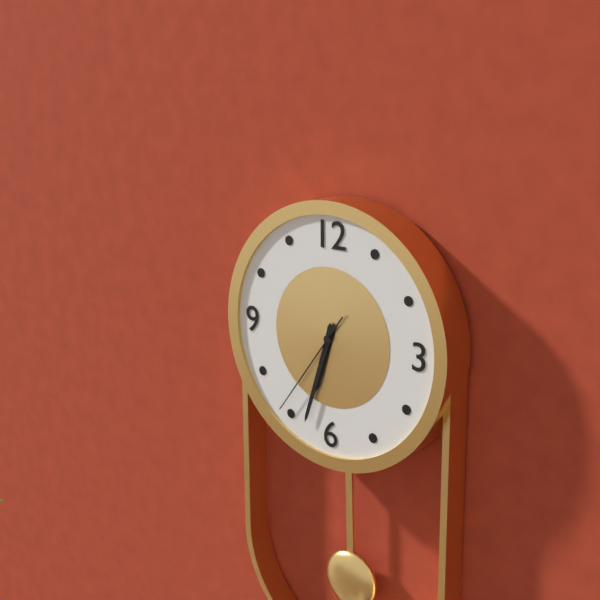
6:33:36
